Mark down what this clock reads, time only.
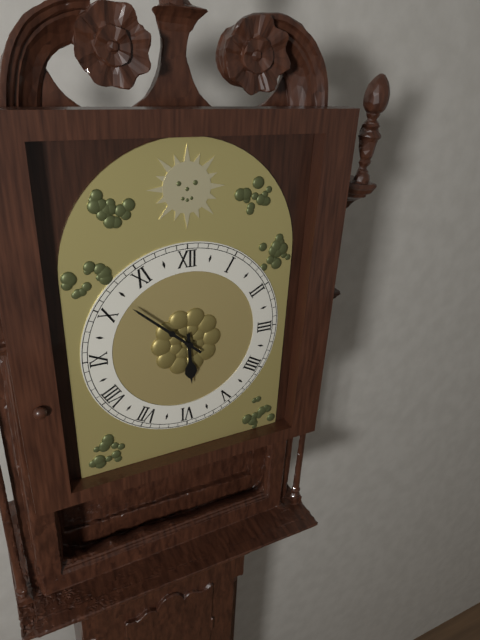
5:52
